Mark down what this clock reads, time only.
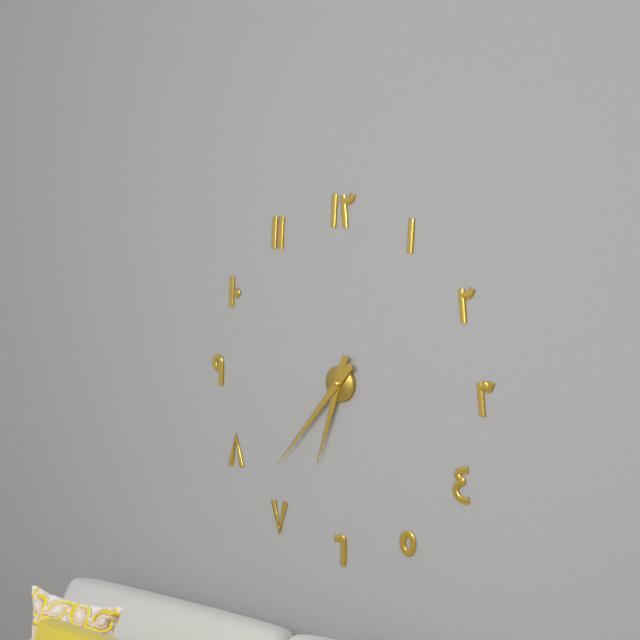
6:37
